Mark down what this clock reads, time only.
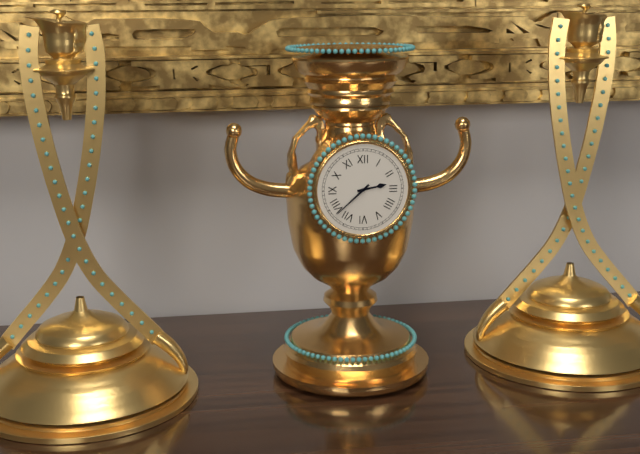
2:38
